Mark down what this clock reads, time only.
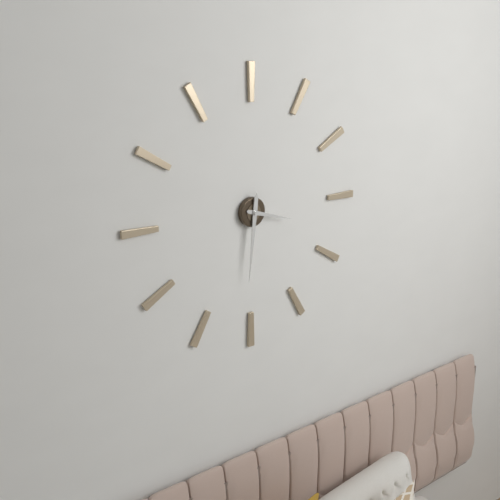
3:31
